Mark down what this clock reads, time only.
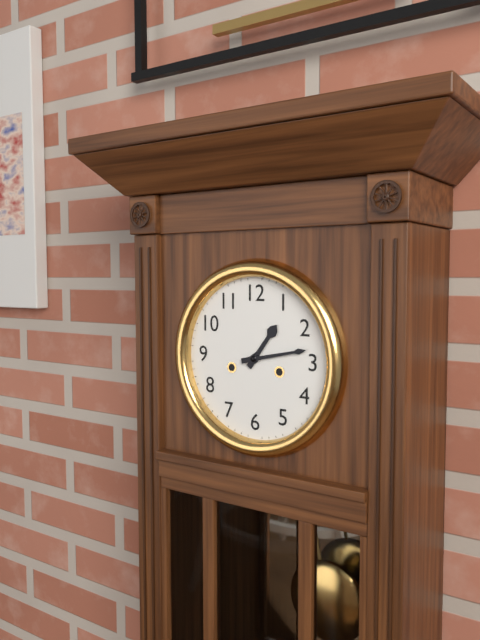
1:13
